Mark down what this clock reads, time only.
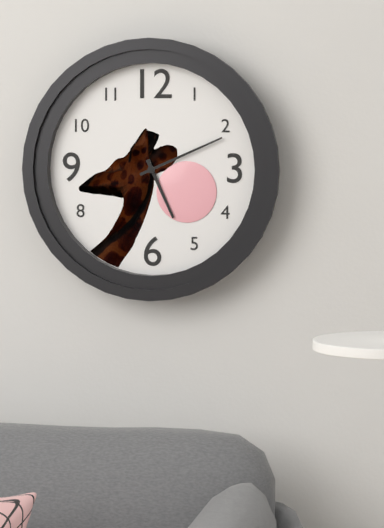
5:11
